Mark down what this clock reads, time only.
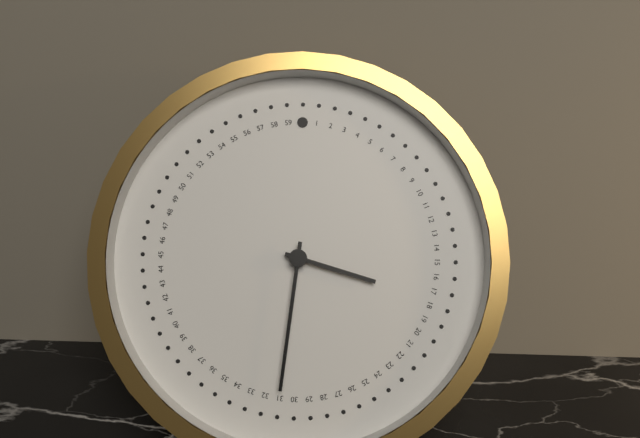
3:31
